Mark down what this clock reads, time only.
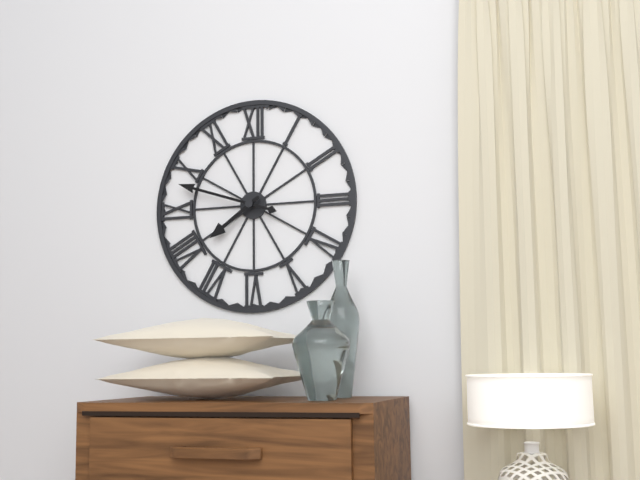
7:48
